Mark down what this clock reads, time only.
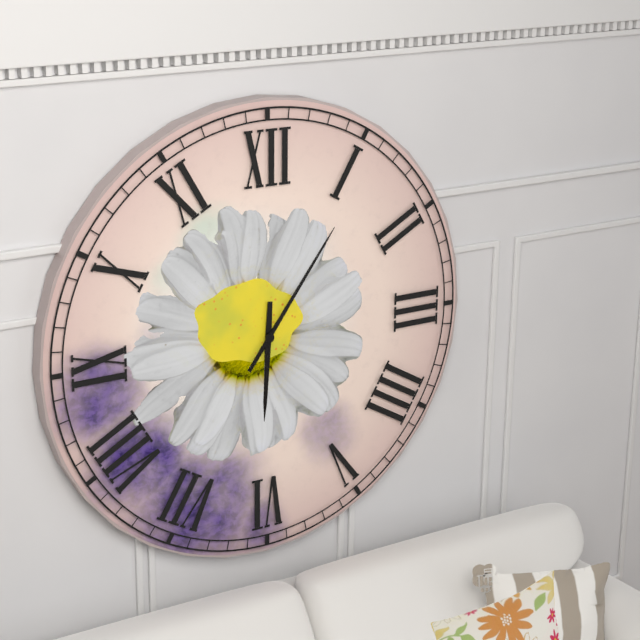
6:06
